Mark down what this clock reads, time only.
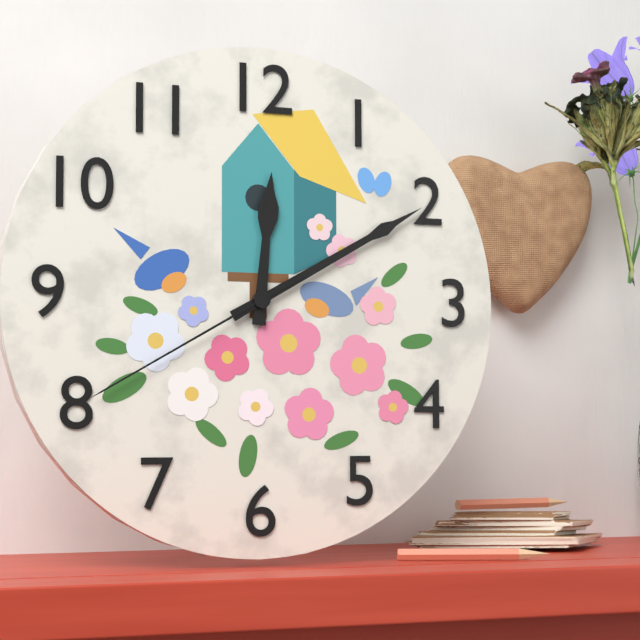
12:10:40
